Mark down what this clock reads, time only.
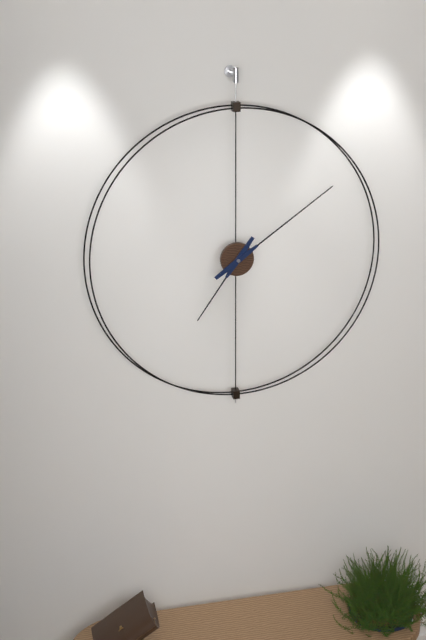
7:09
